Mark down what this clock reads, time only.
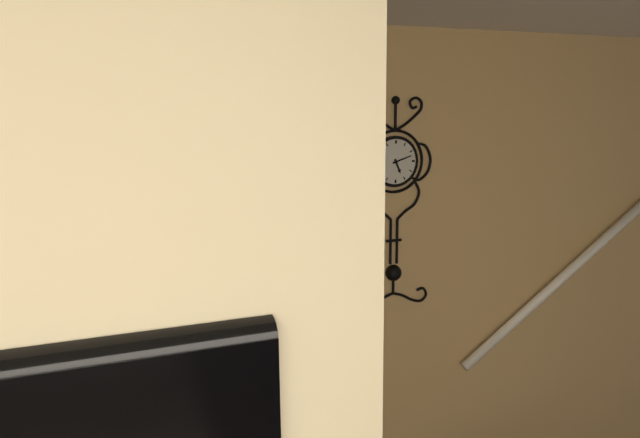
5:12
